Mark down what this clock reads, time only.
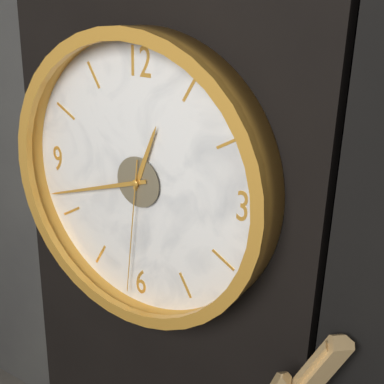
12:42:31
